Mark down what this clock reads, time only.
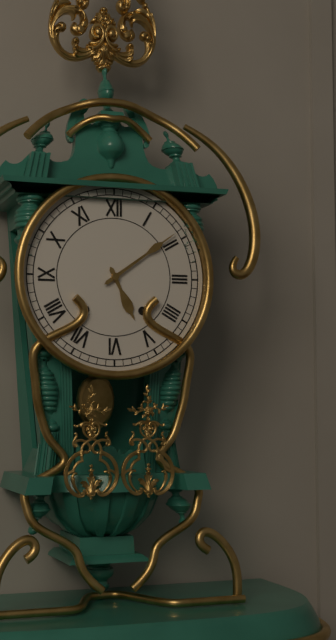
5:09
